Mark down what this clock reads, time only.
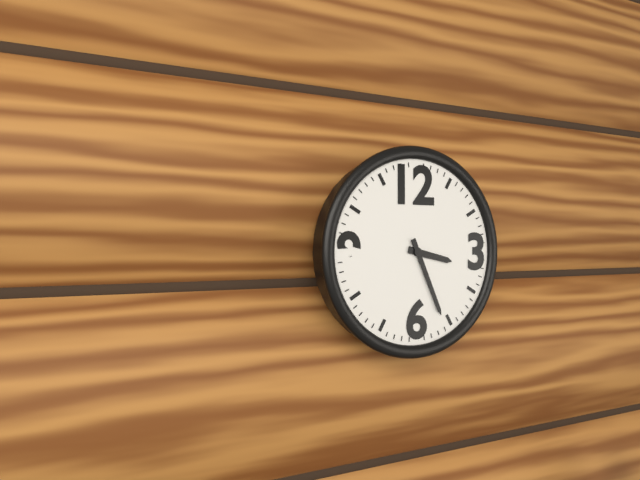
3:26
